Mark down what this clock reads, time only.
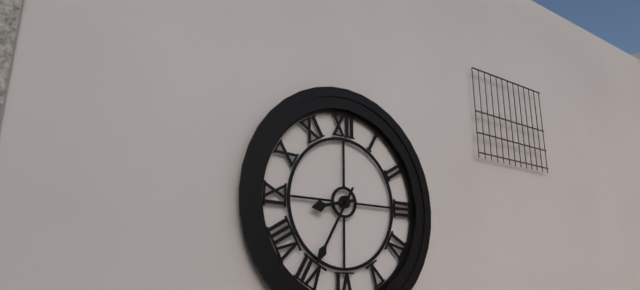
8:35
